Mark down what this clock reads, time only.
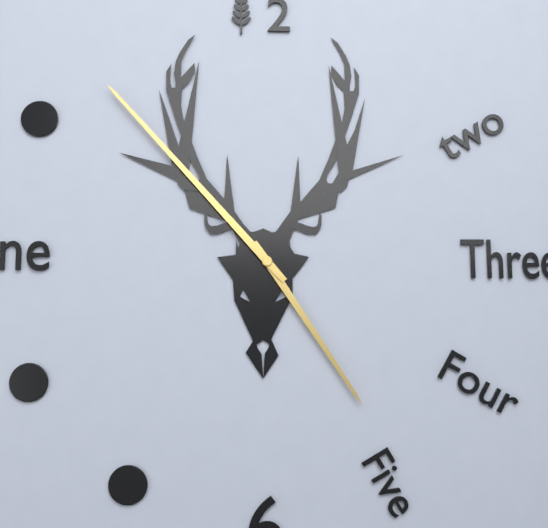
4:53
